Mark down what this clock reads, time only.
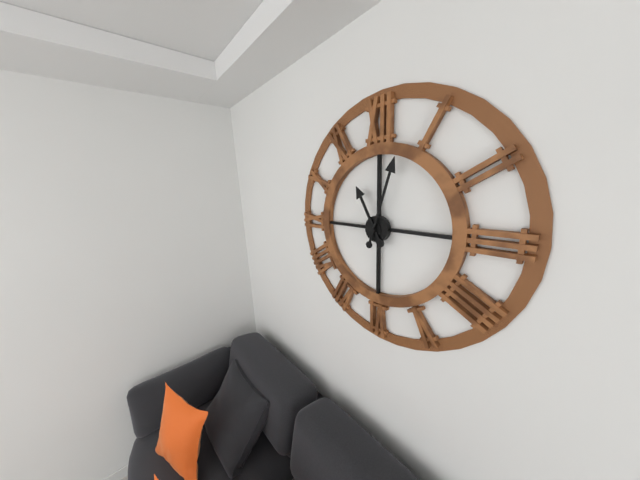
11:03
